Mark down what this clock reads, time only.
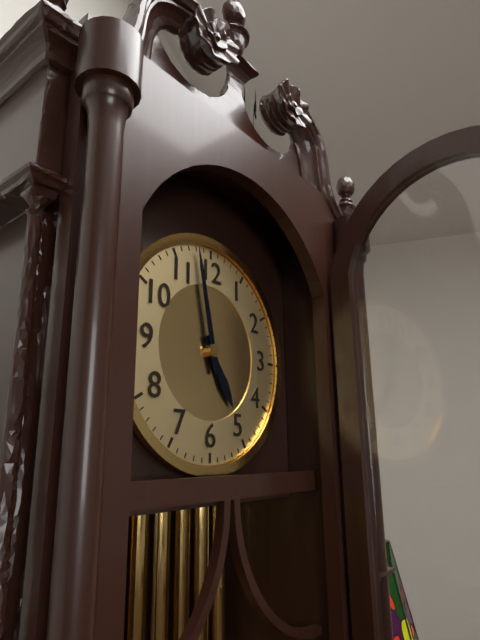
4:58
